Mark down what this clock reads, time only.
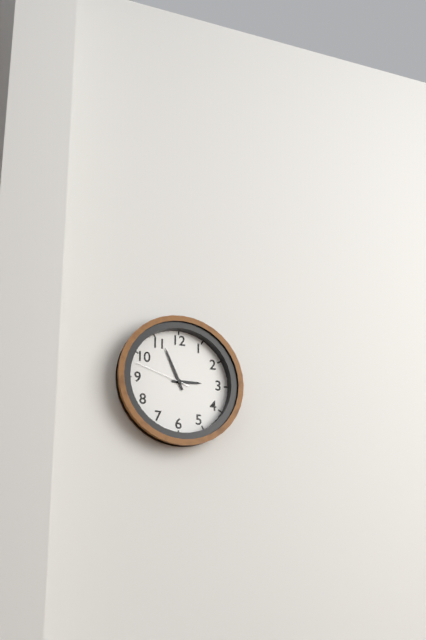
2:56:48
